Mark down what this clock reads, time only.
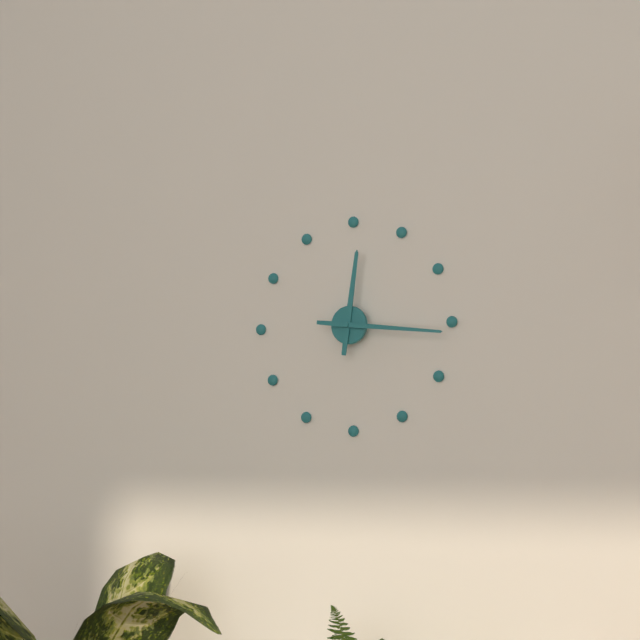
12:16
